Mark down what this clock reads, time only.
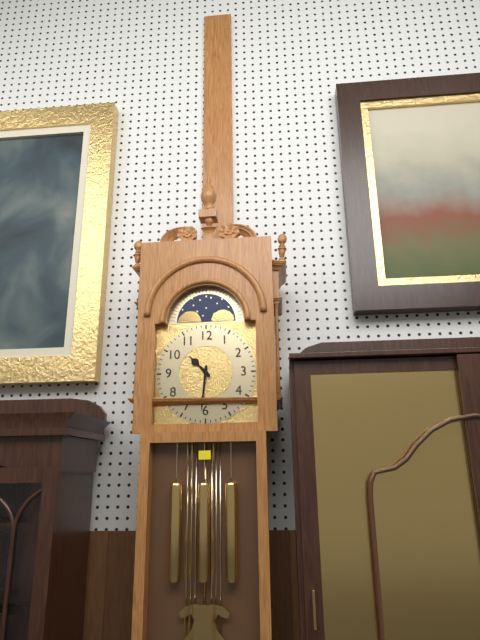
10:31
